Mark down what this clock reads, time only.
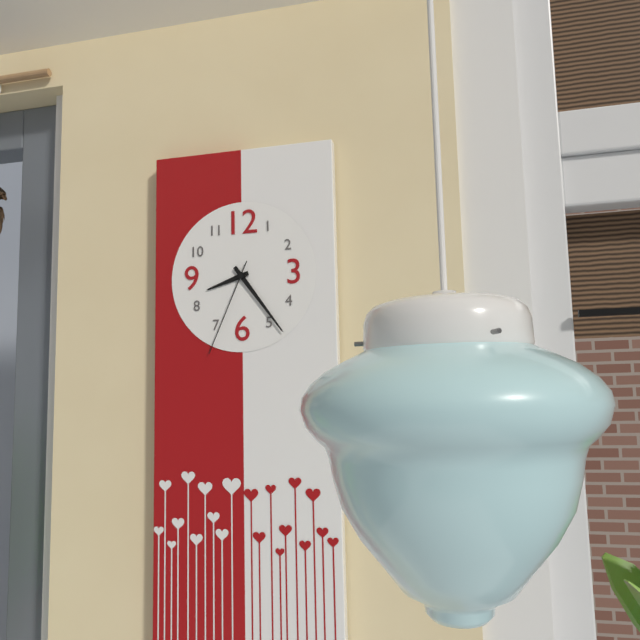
8:24:34
